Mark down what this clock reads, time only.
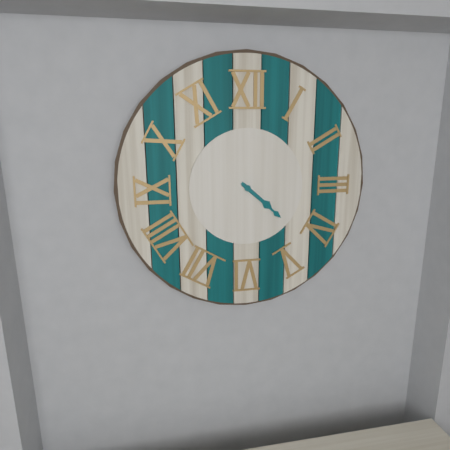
4:22
